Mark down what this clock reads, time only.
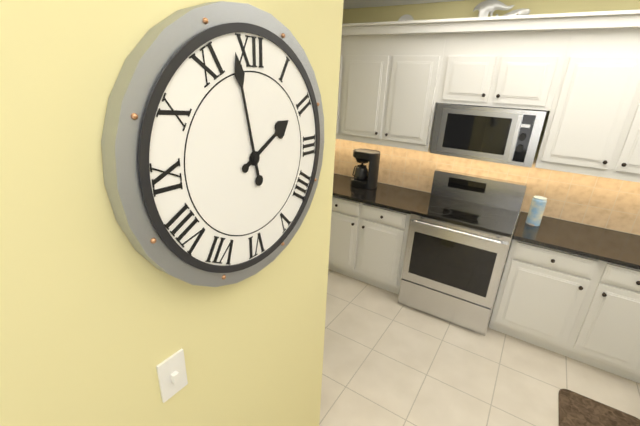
1:58
